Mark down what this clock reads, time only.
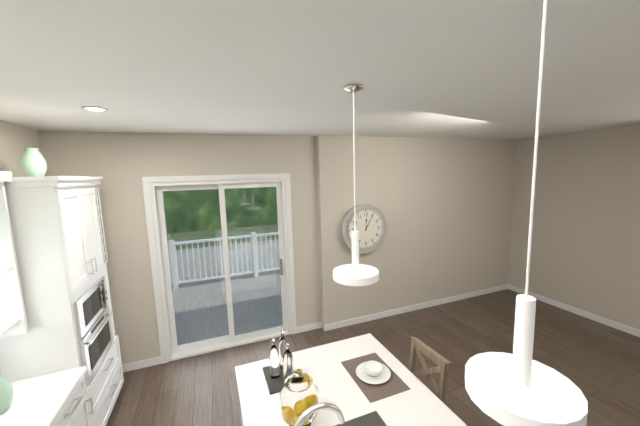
12:05
